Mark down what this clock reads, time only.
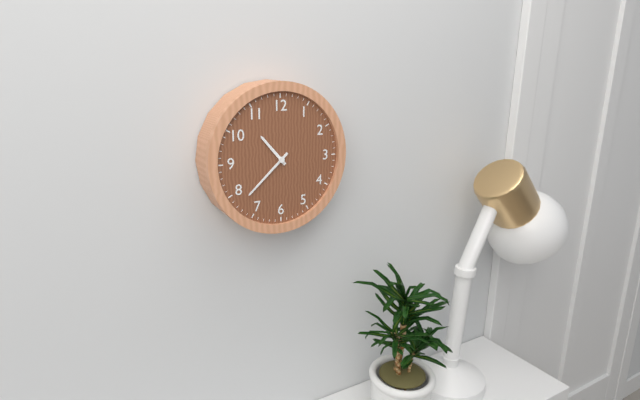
10:38
